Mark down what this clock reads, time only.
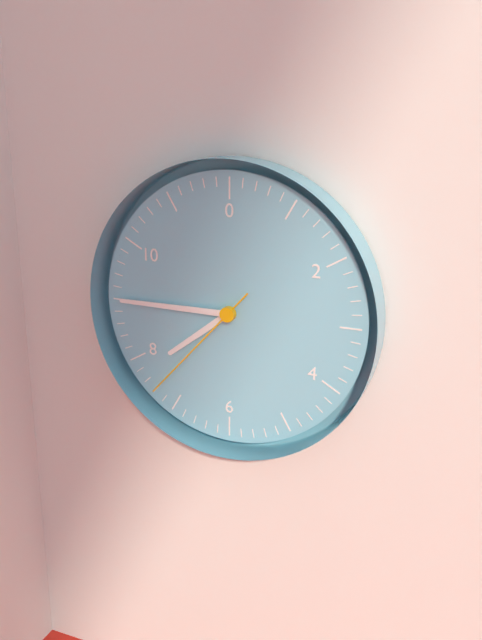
7:45:37
